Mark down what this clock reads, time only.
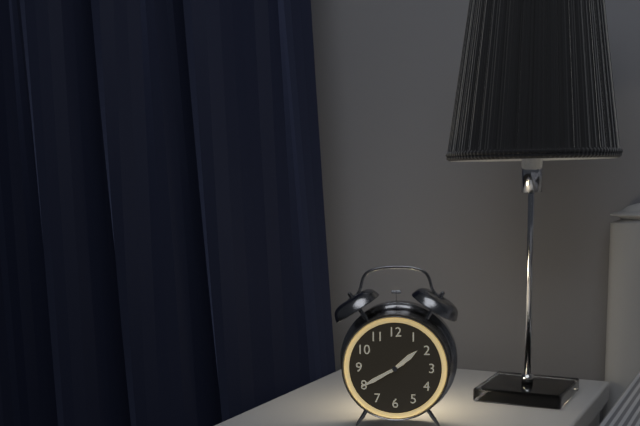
1:40
